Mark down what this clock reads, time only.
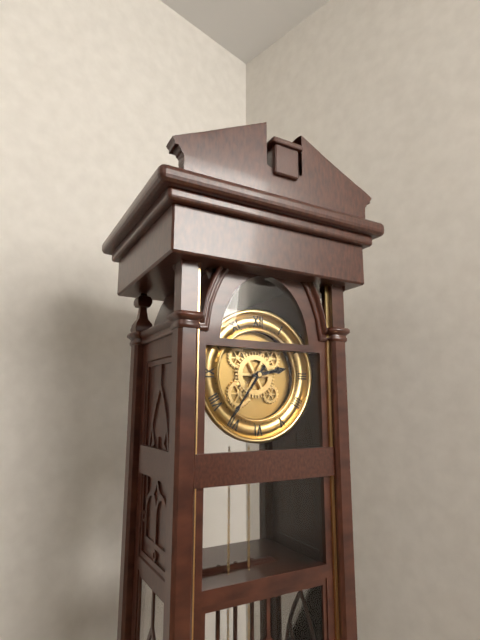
2:36
